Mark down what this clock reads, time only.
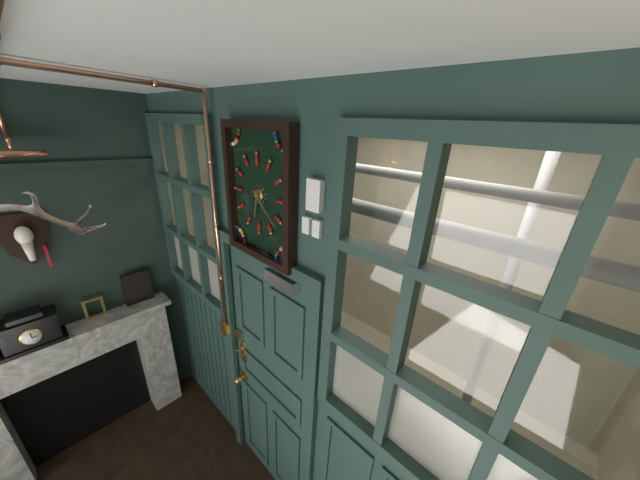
6:22
